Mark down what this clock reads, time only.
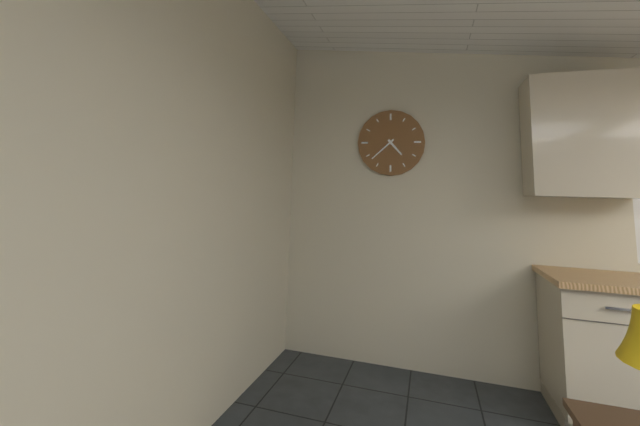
4:38
